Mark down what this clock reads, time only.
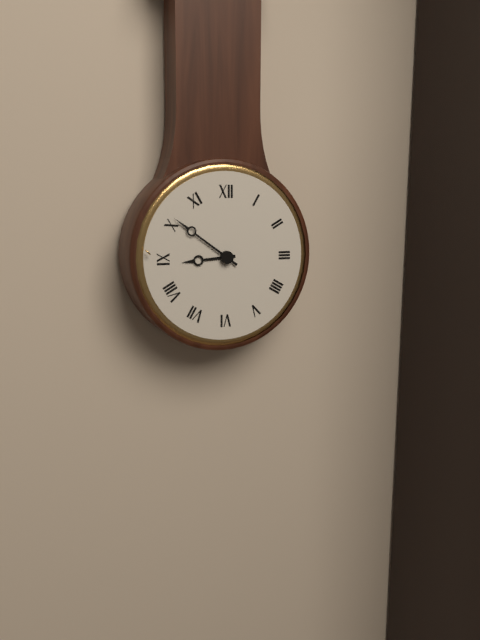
8:51
